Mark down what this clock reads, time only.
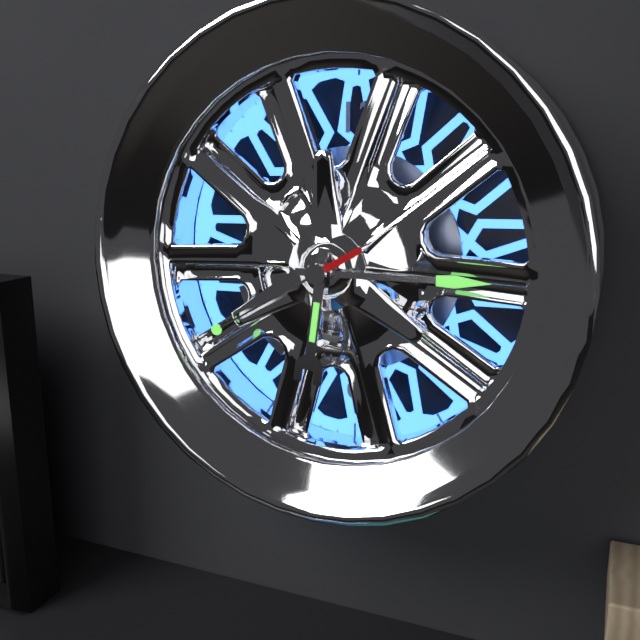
6:15:40
